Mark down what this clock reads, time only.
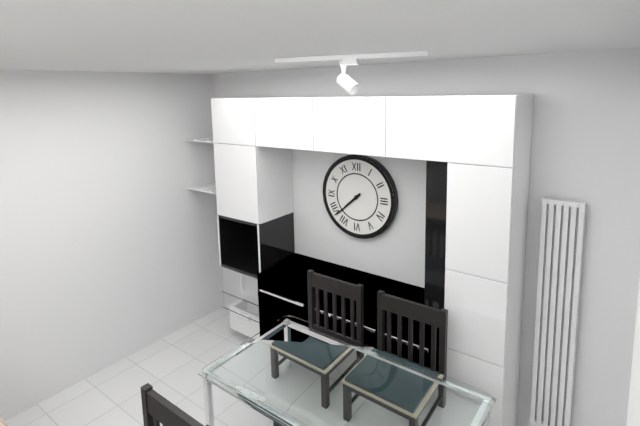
7:38
